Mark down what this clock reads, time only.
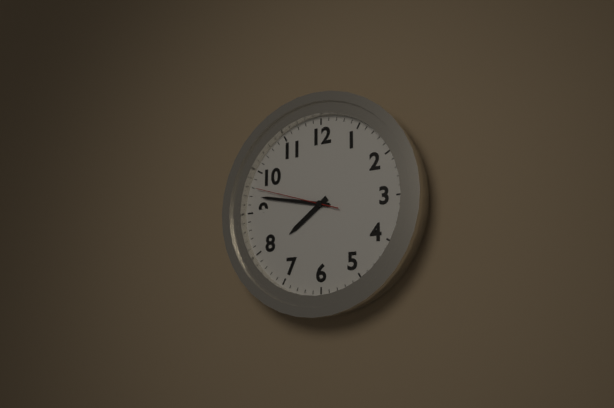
7:47:48
